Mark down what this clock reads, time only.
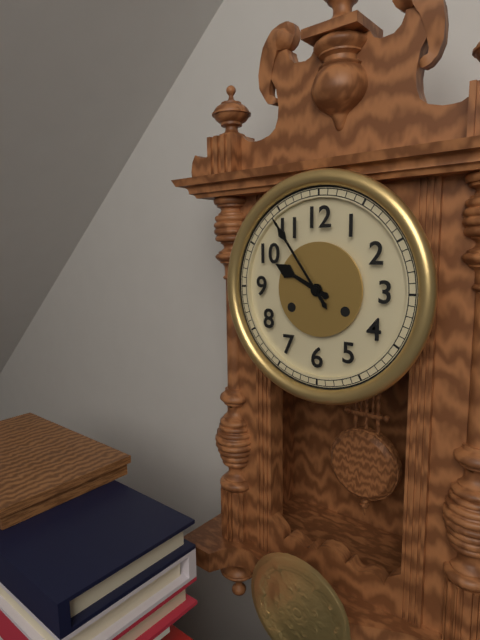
9:54
